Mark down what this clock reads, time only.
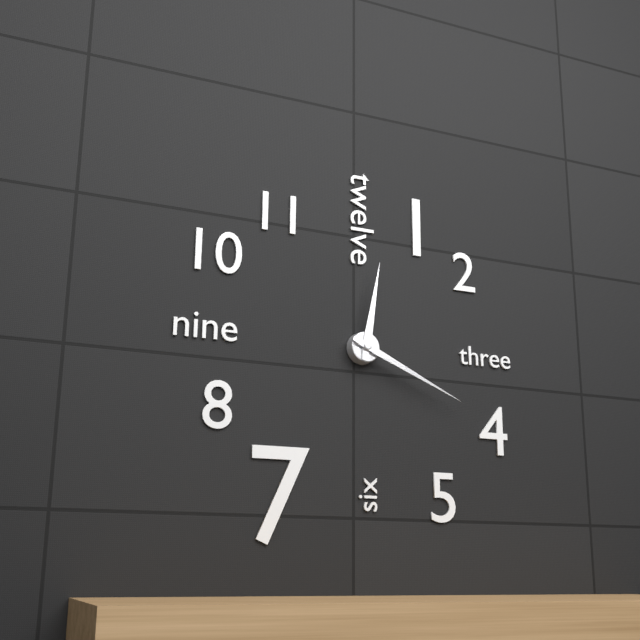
12:19
